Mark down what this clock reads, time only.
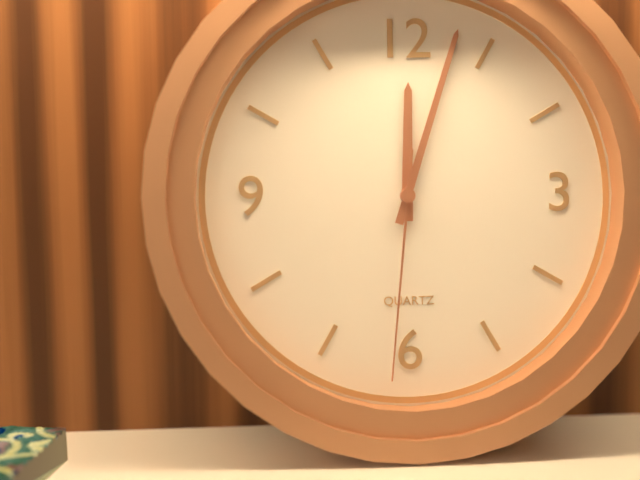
12:03:31
